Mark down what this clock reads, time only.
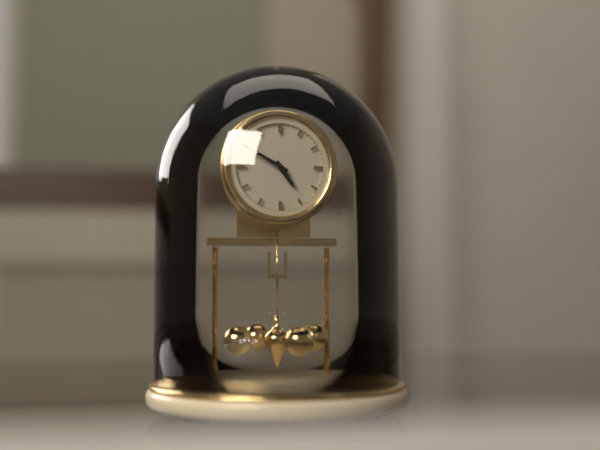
4:50
